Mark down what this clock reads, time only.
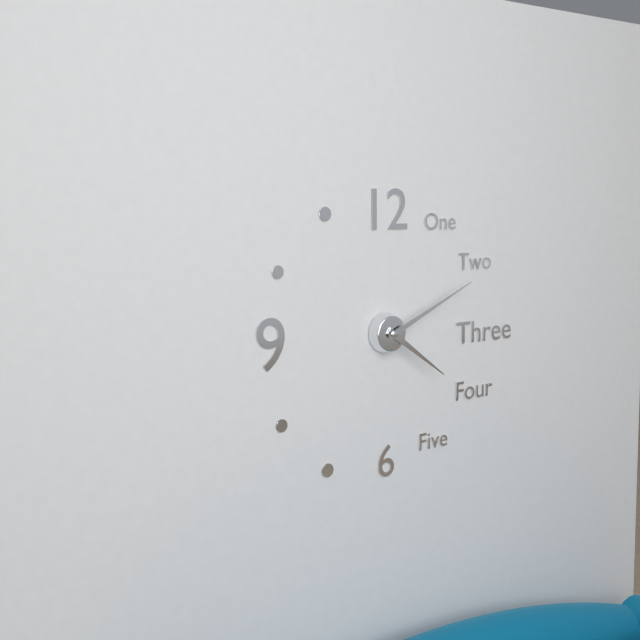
4:11
